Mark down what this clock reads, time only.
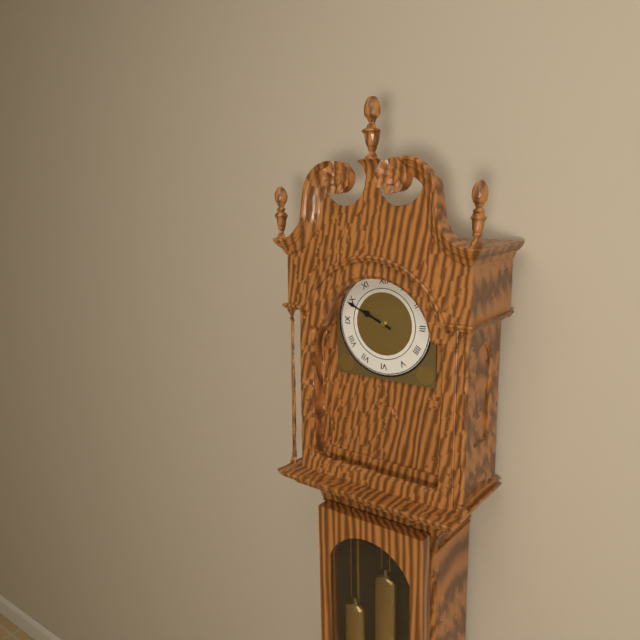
9:49
